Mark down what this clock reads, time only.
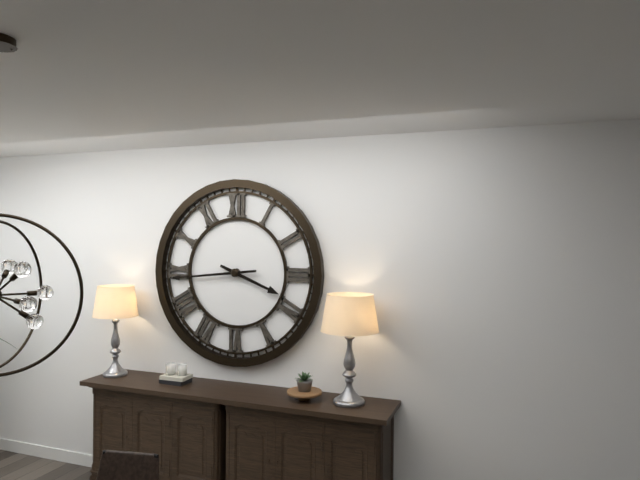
3:44
